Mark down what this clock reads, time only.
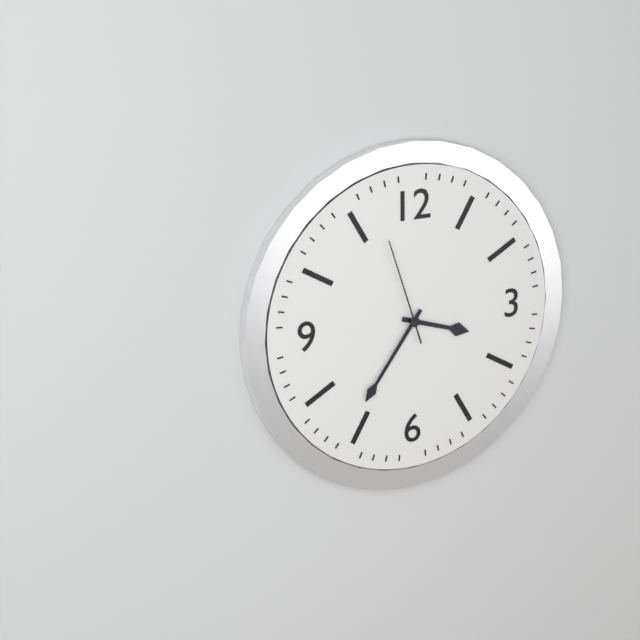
3:36:57
